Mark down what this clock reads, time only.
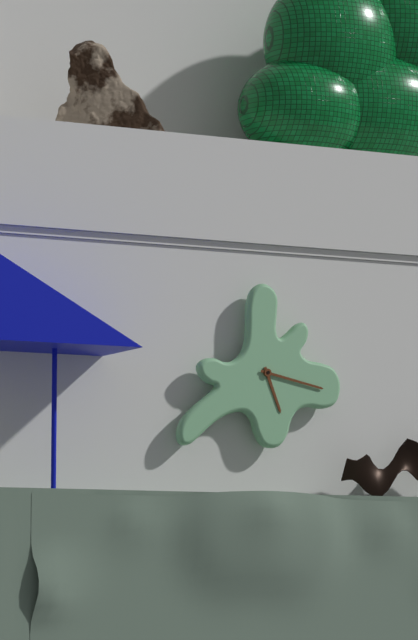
5:17
